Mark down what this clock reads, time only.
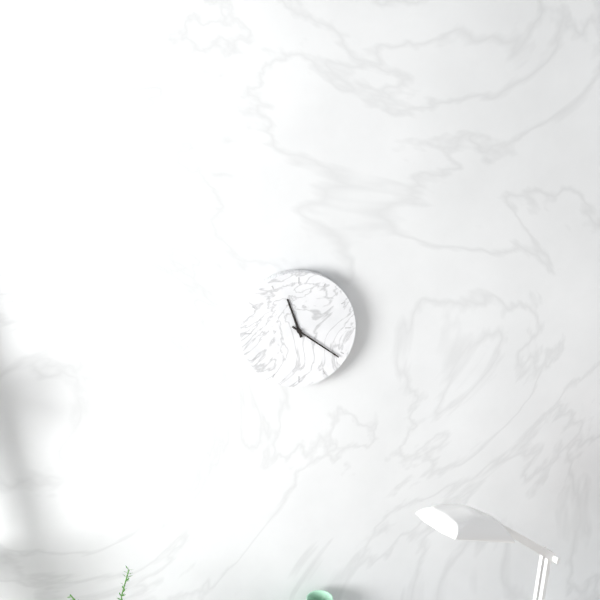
11:21
